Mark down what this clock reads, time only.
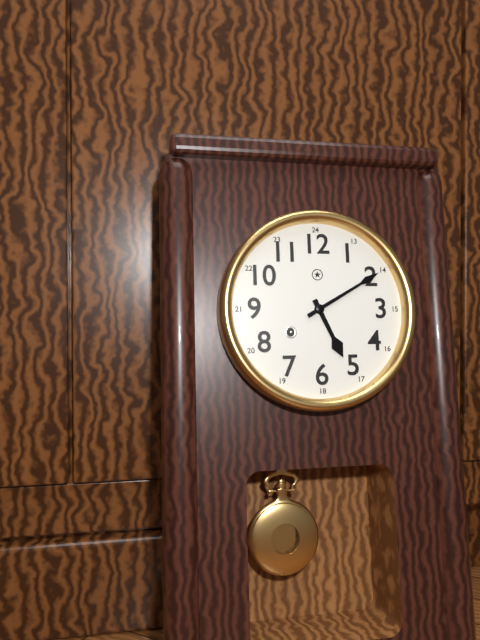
5:10
